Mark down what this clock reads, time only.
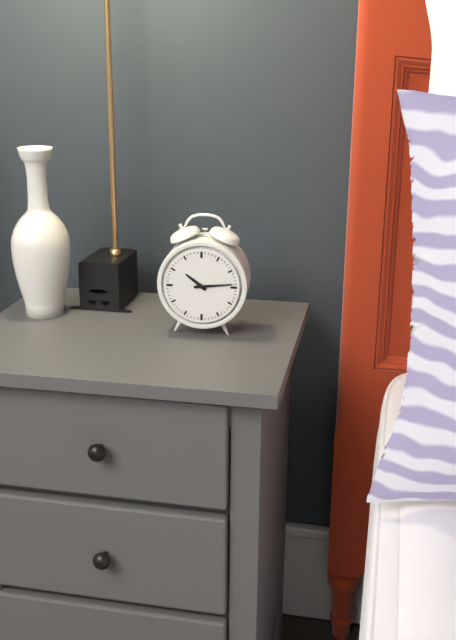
10:14
